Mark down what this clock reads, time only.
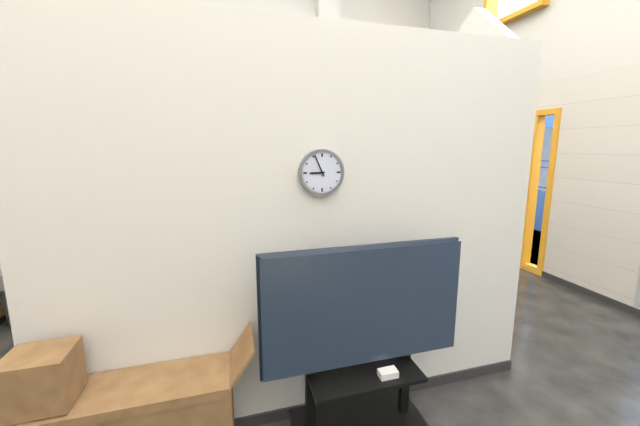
8:56
